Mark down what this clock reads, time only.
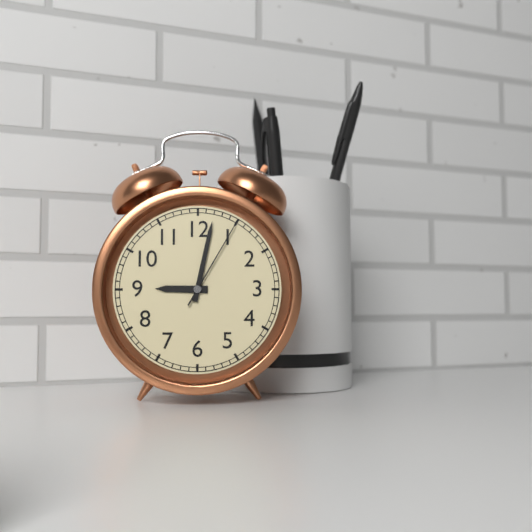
9:02:05
